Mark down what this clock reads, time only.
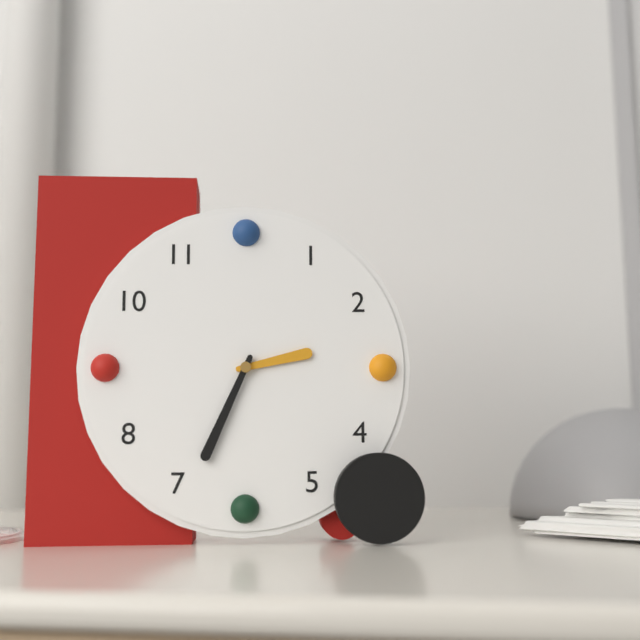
2:34
